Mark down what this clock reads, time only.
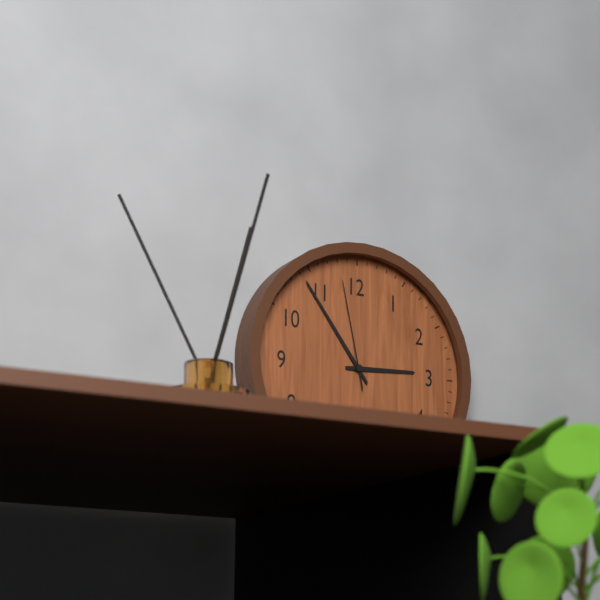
2:54:58
